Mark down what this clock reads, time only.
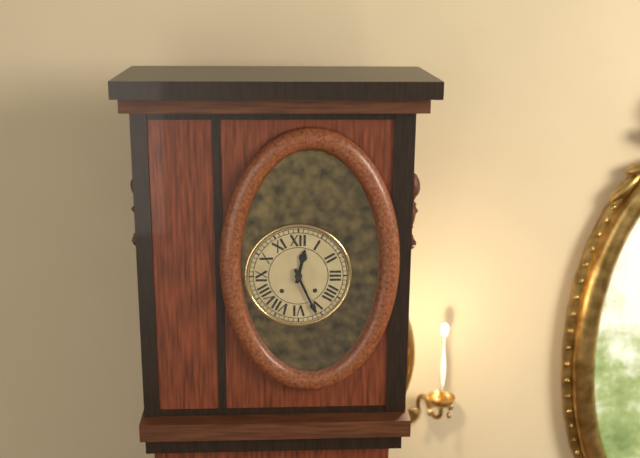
12:26
